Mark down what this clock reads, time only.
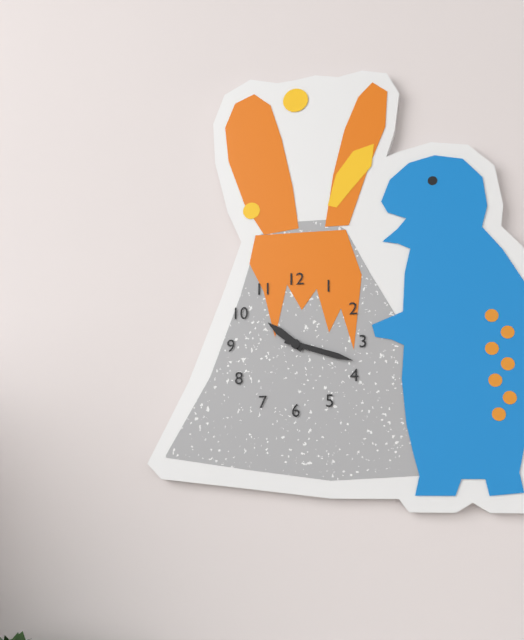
10:18
